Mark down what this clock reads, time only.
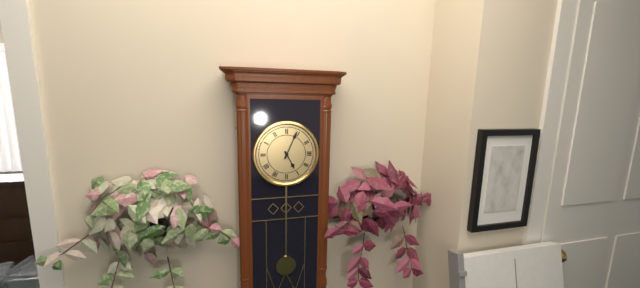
5:04
